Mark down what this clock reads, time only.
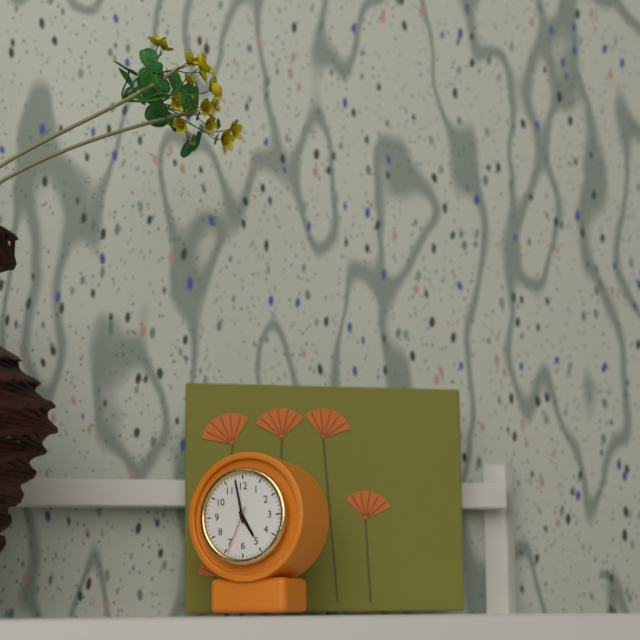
4:58:34
